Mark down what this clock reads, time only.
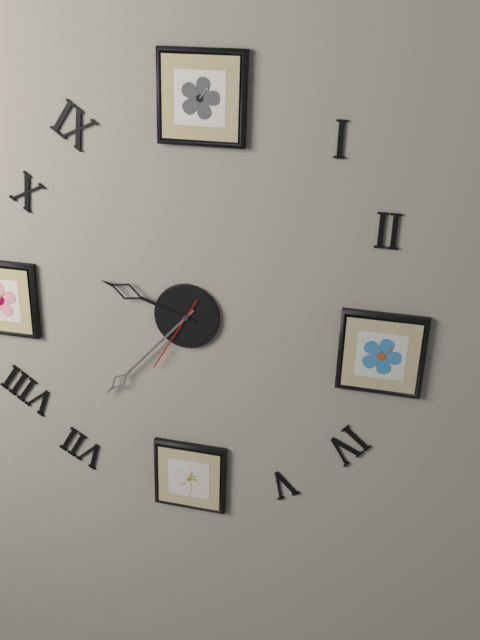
9:37:35
